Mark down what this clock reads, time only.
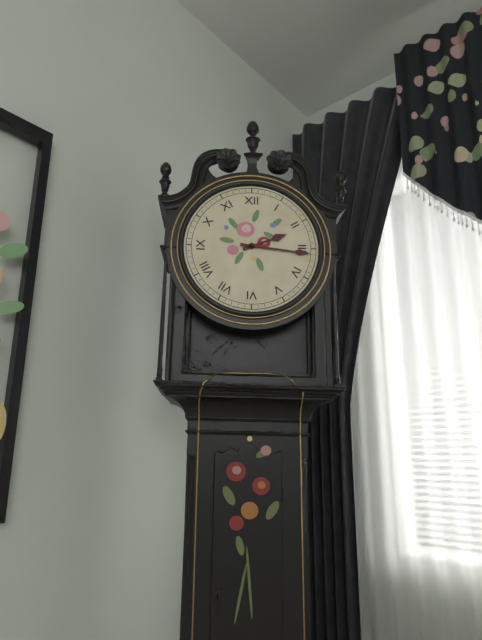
2:16
